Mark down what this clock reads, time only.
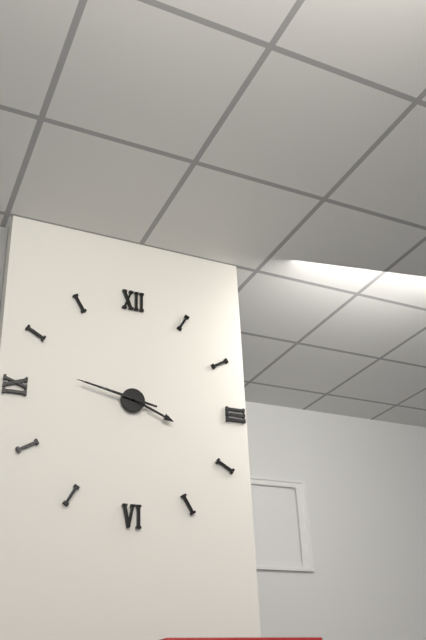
3:47
